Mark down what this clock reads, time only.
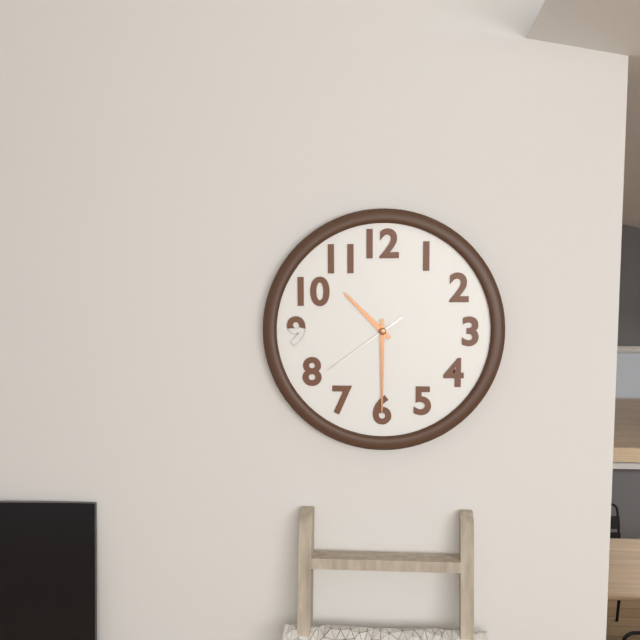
10:30:39
